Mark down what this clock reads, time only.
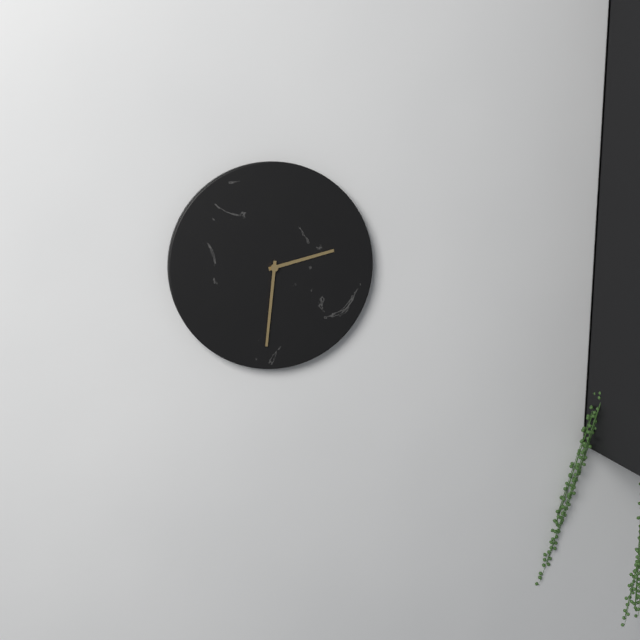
2:31
